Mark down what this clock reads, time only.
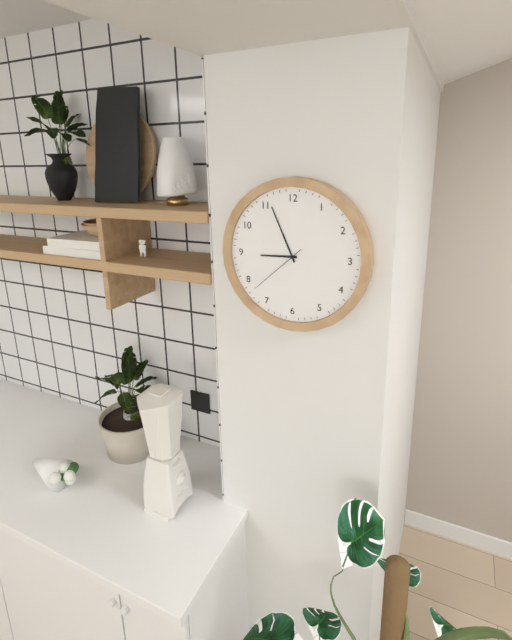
8:56:38
